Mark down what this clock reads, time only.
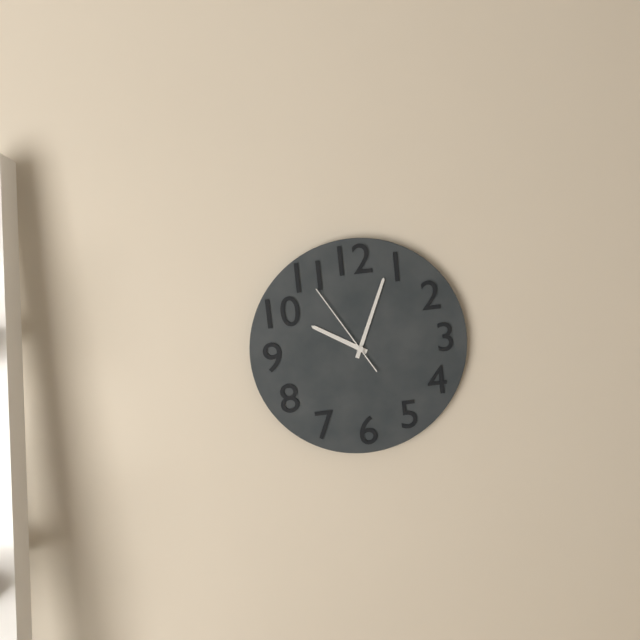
10:04:55
